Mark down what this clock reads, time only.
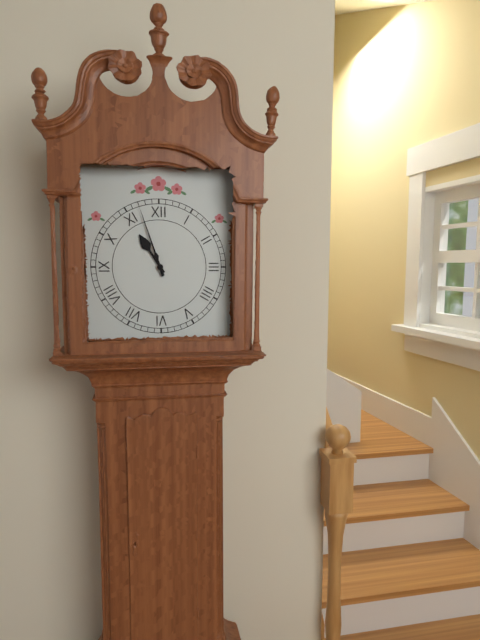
10:57
